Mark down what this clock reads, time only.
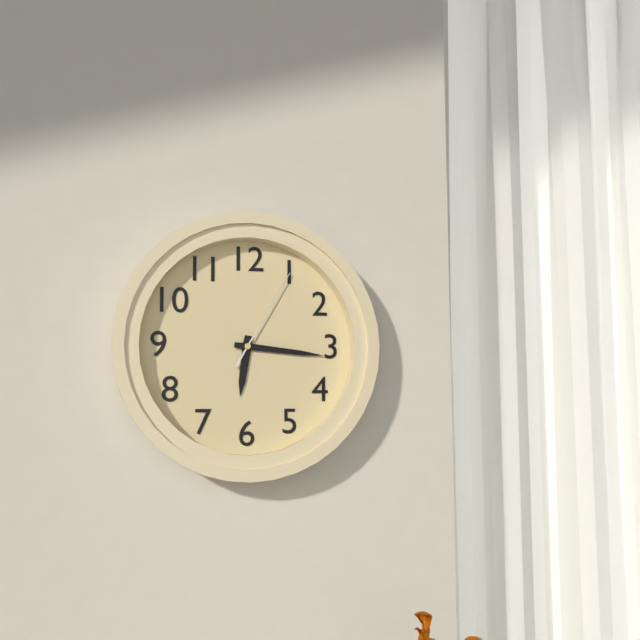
6:16:05
